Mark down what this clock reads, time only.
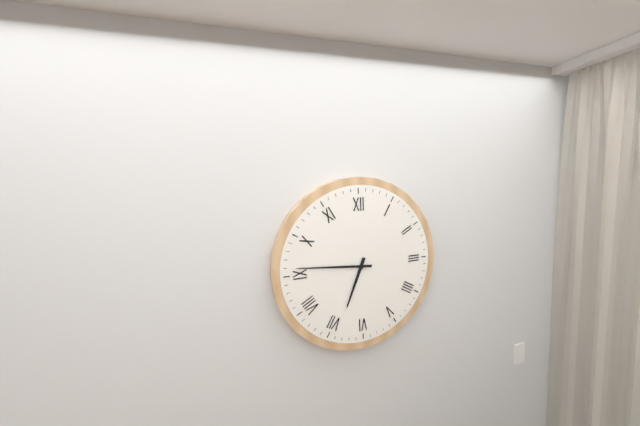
6:46
